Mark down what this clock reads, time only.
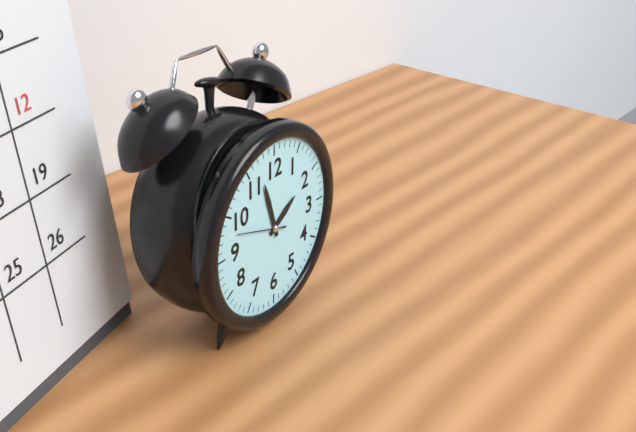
1:57
